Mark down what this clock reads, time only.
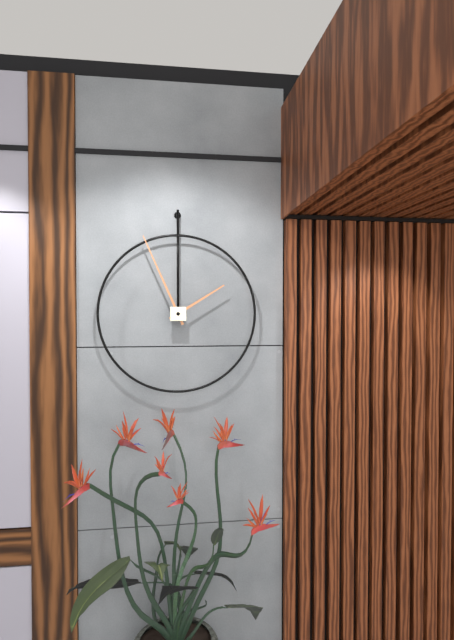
1:56
